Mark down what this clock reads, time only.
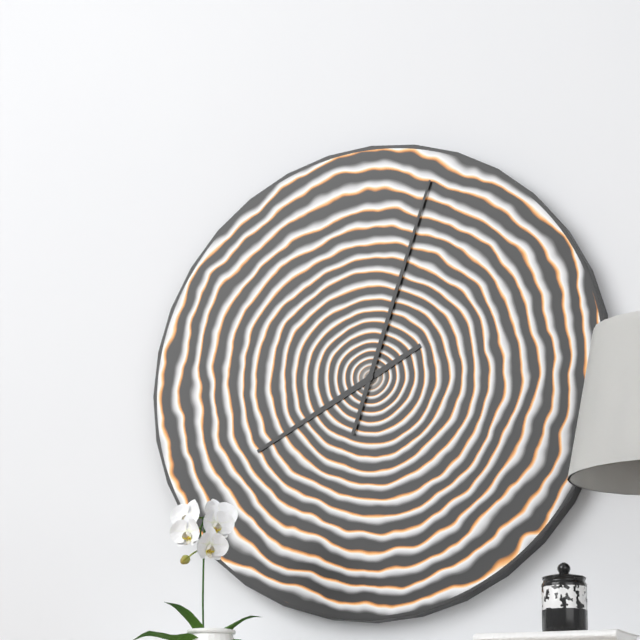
8:03
